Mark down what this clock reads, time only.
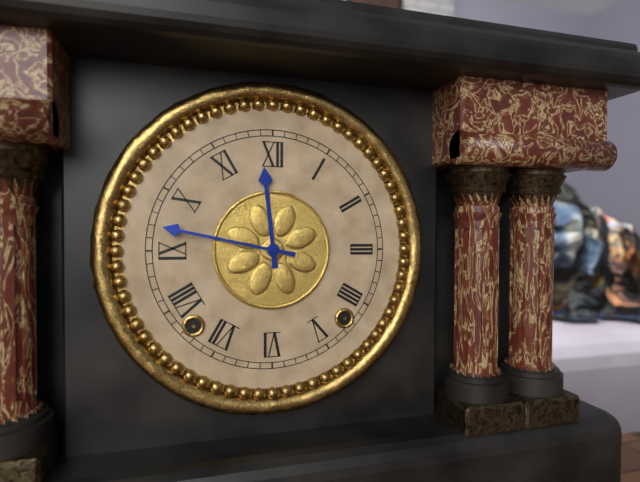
11:47
